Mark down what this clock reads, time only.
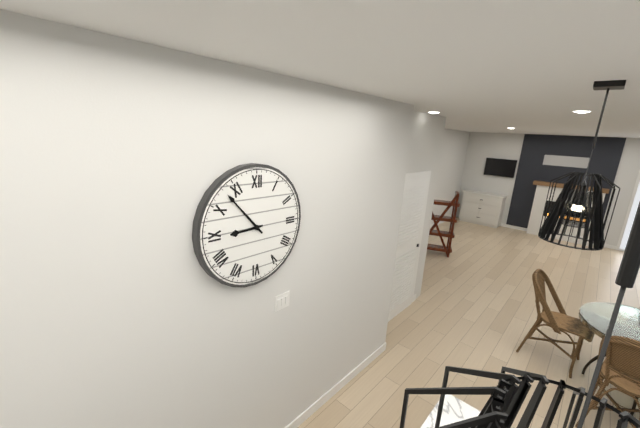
8:53
